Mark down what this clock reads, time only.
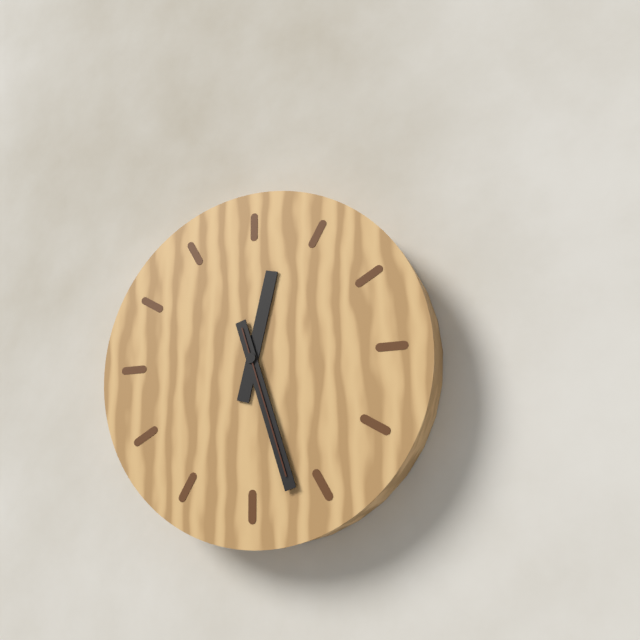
12:27:27
